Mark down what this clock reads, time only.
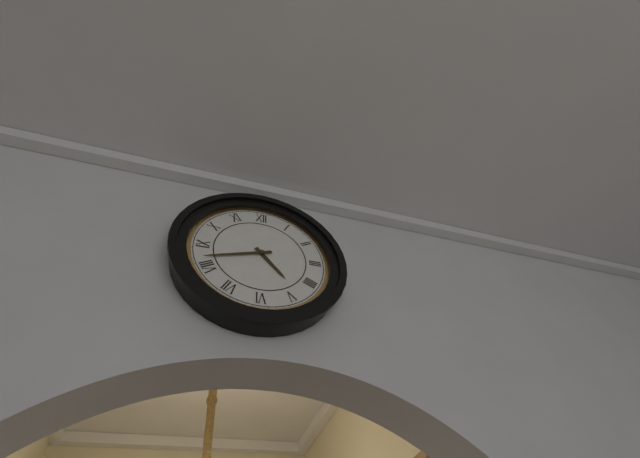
4:42
